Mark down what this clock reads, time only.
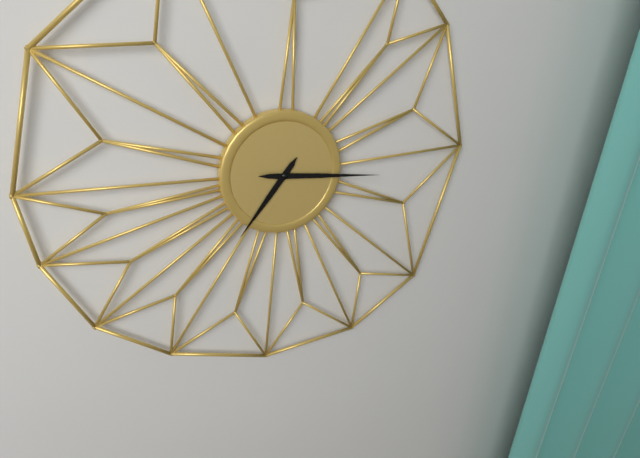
7:16
